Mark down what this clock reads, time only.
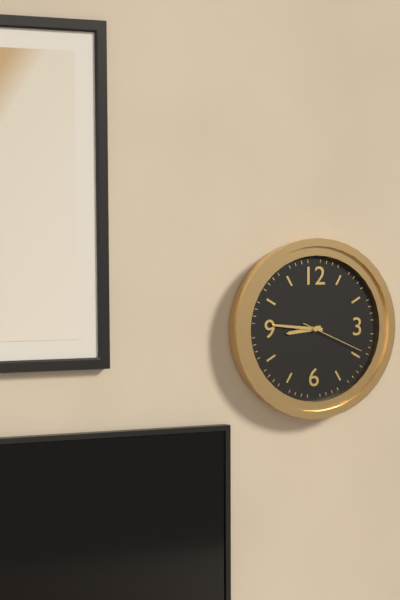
8:46:19
